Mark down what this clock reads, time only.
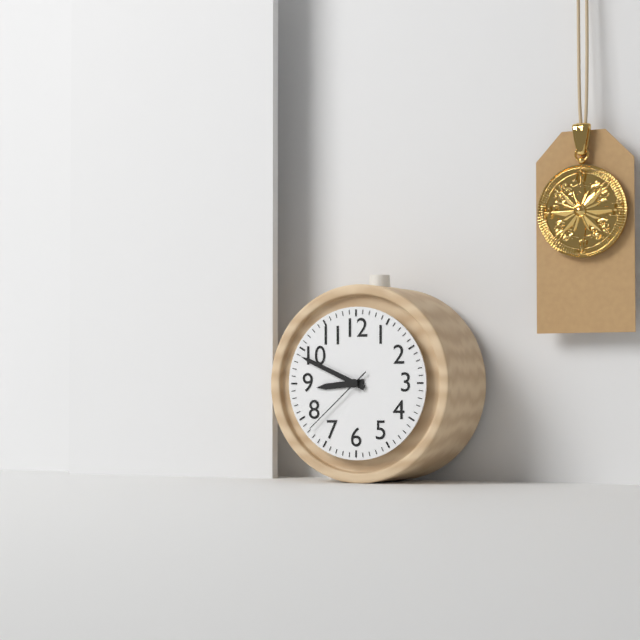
8:49:38
